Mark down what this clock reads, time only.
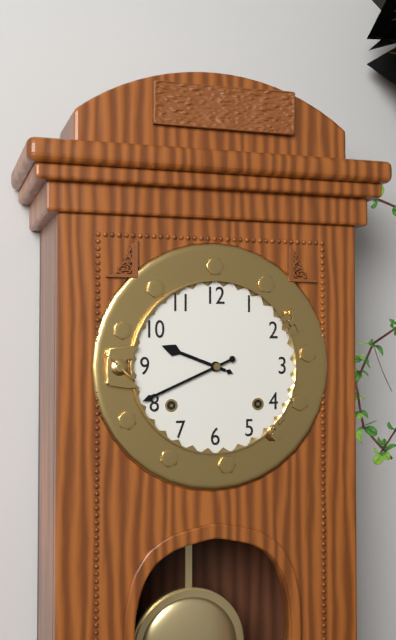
9:41
